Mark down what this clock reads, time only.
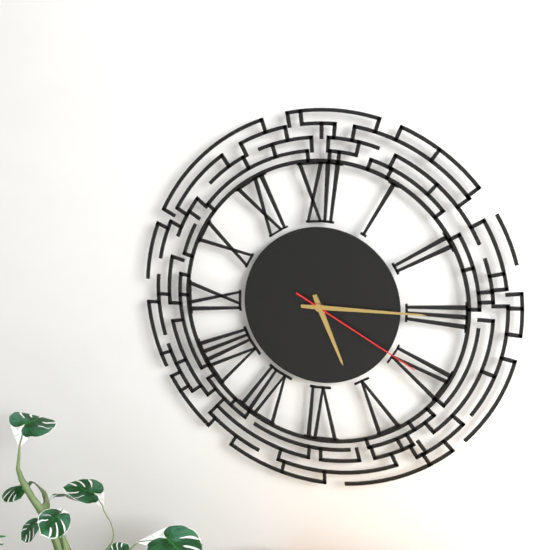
5:15:20
